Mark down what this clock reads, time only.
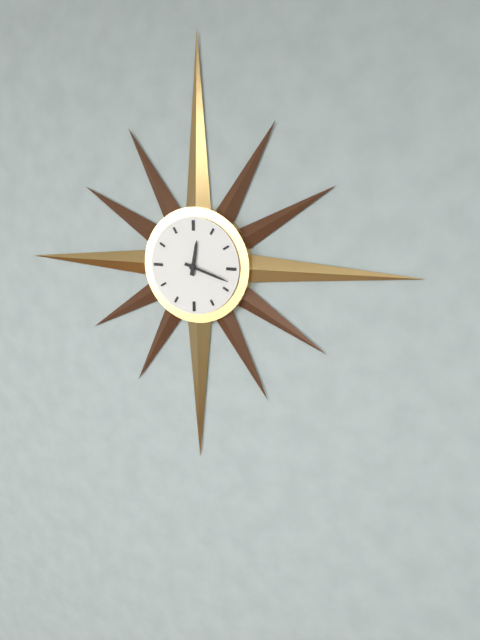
12:18
